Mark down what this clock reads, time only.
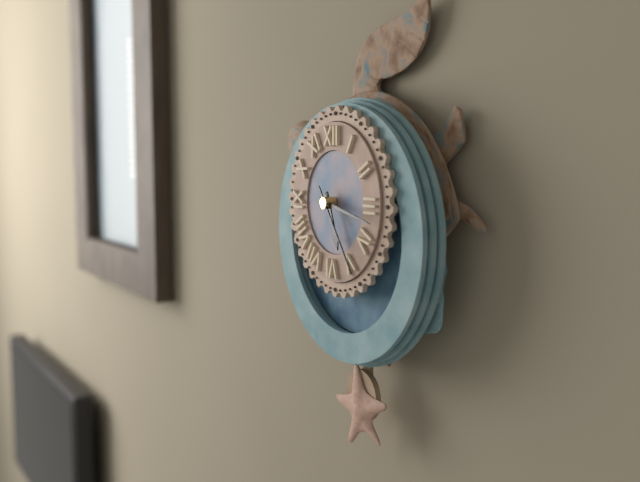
5:17:24
